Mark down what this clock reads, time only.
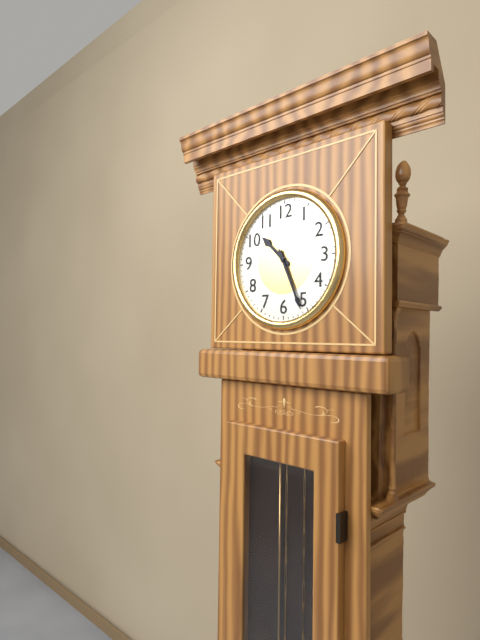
10:26
